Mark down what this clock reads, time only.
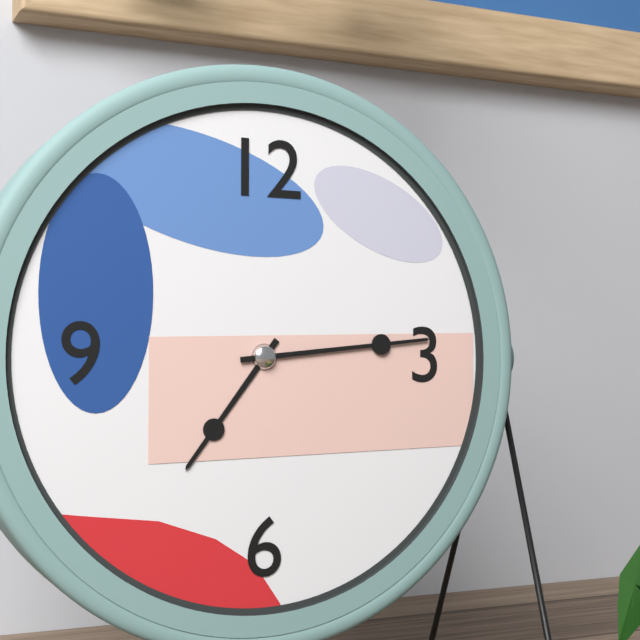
7:14
